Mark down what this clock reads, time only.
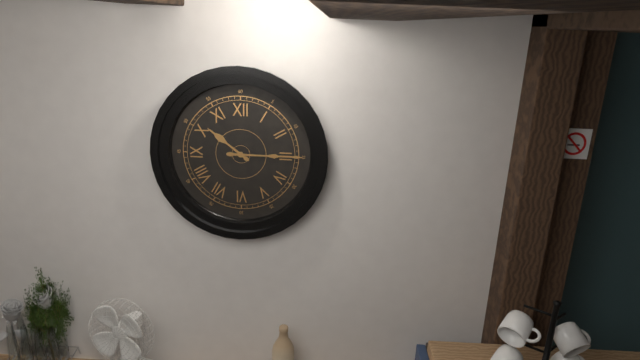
10:15
